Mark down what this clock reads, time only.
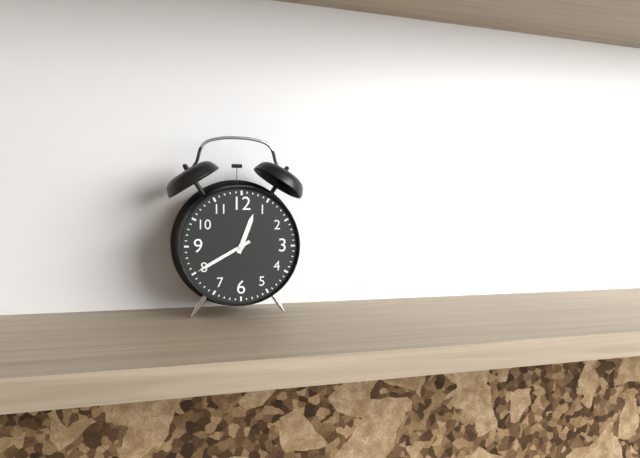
12:40
